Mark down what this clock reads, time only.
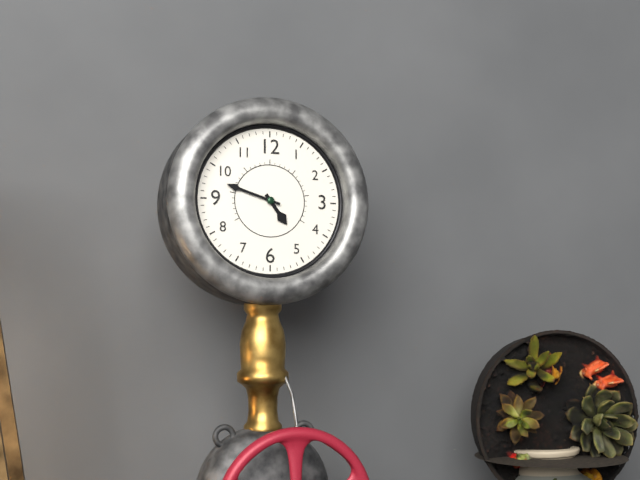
4:48
